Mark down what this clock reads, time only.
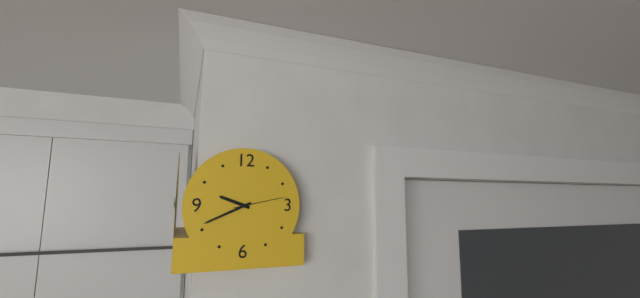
9:41:13
